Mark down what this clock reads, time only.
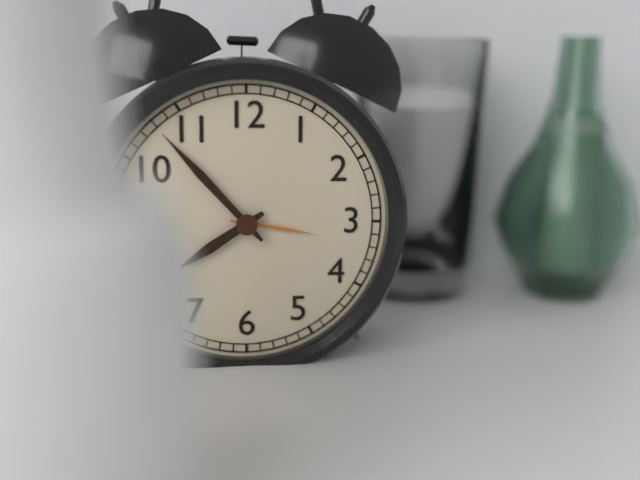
7:53
